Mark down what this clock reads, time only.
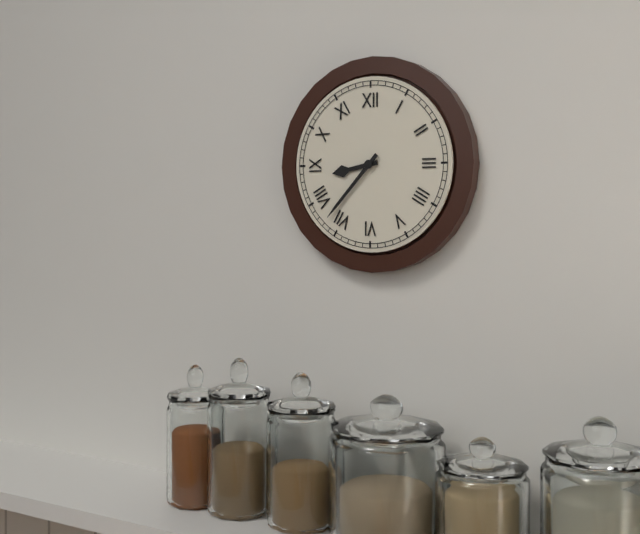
8:37
